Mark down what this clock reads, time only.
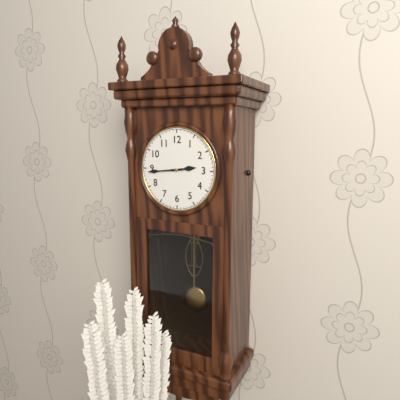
2:44
